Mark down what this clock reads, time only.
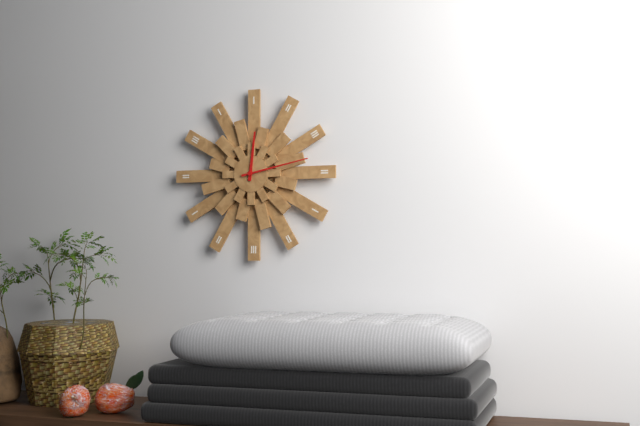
12:13
